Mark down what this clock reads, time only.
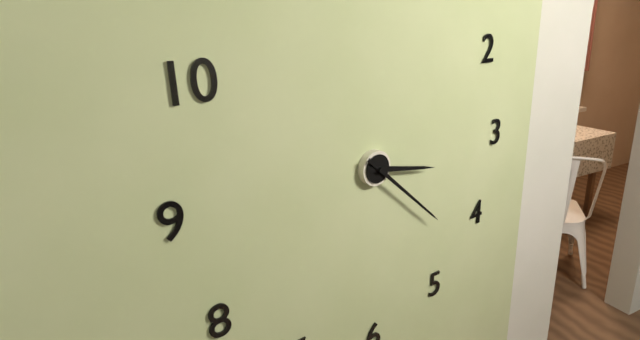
3:22
